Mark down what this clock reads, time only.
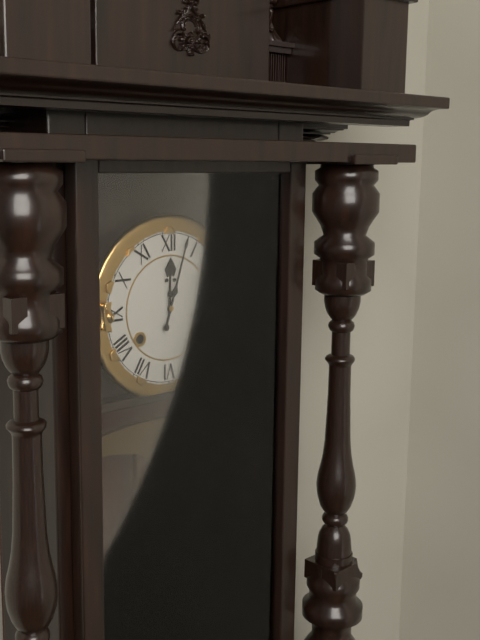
12:03
